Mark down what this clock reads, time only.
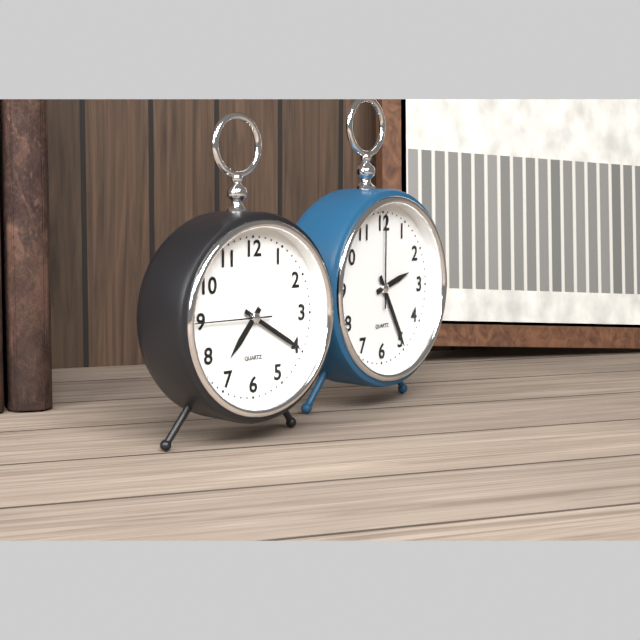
7:20:45
